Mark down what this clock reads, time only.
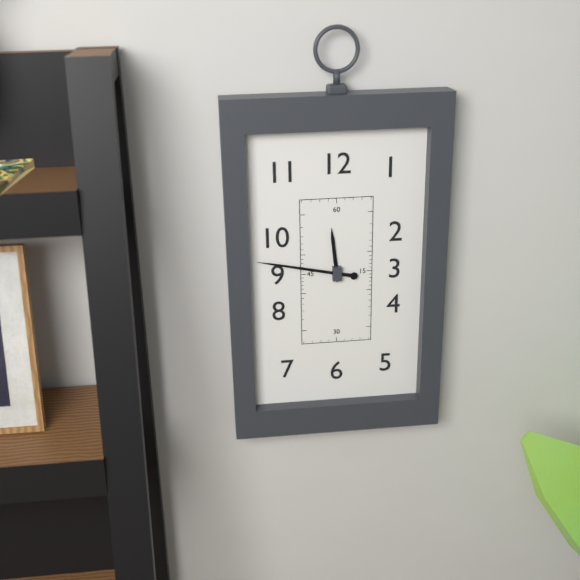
11:47
